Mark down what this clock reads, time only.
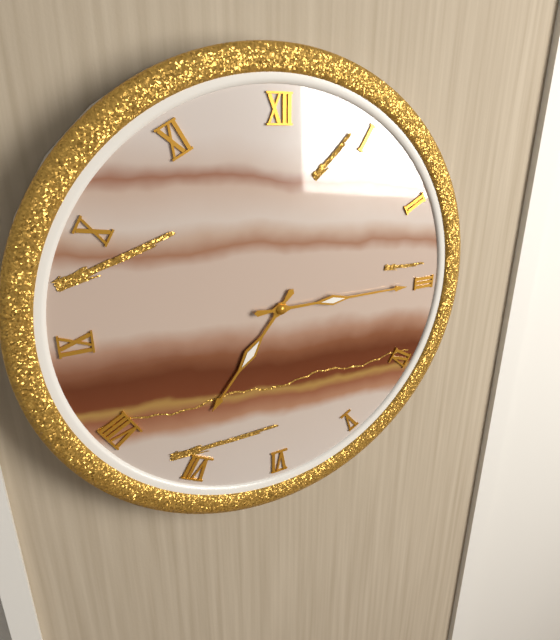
7:15
